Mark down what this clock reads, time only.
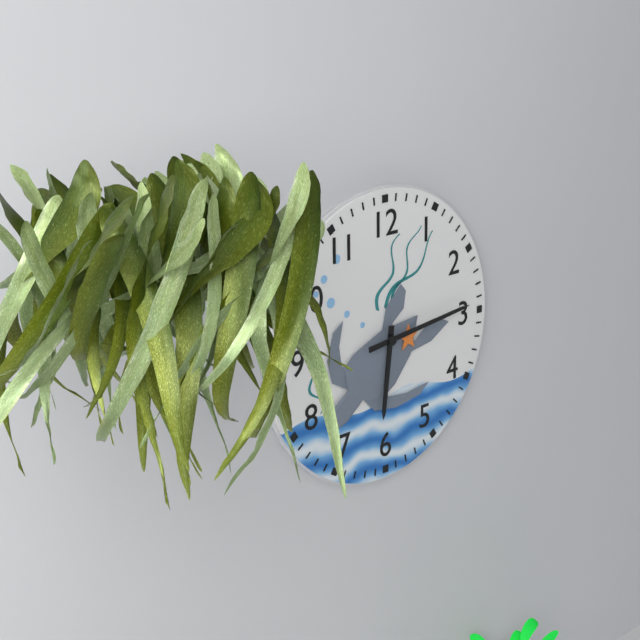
6:14
